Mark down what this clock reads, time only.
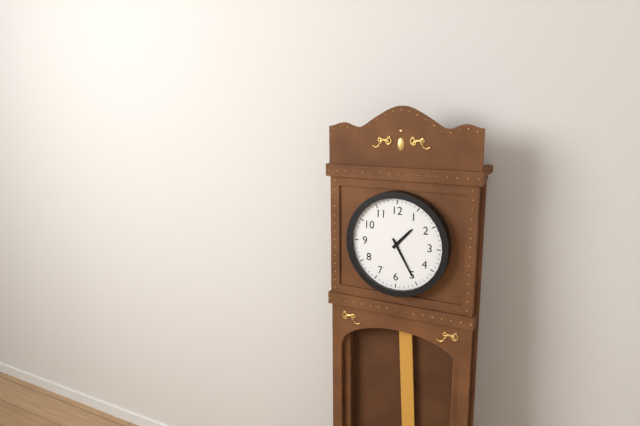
1:25
